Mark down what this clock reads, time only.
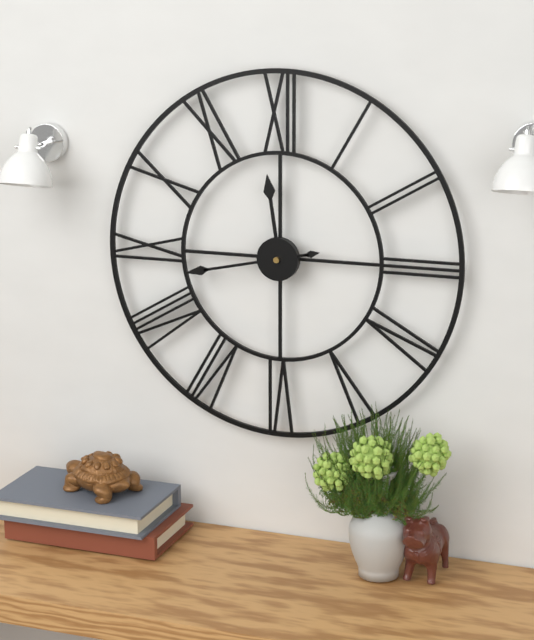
11:43
